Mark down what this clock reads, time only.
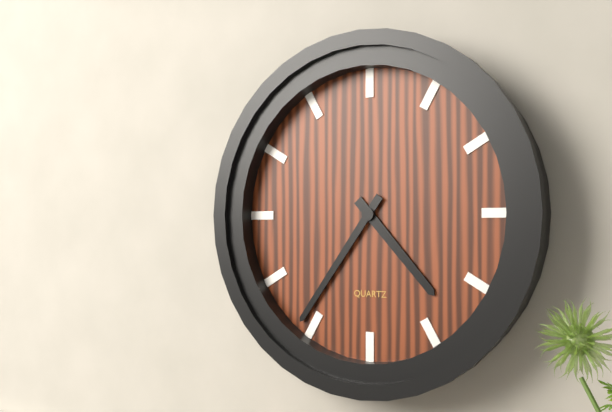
4:36
